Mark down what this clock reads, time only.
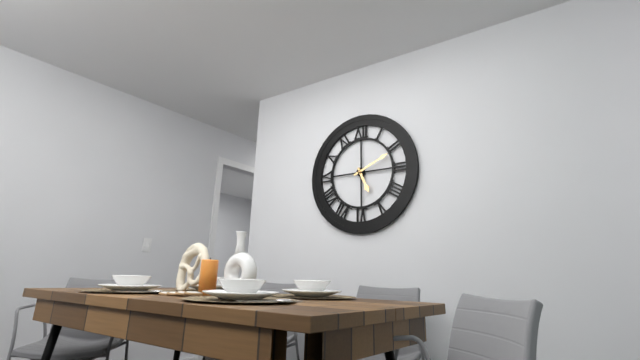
5:11
